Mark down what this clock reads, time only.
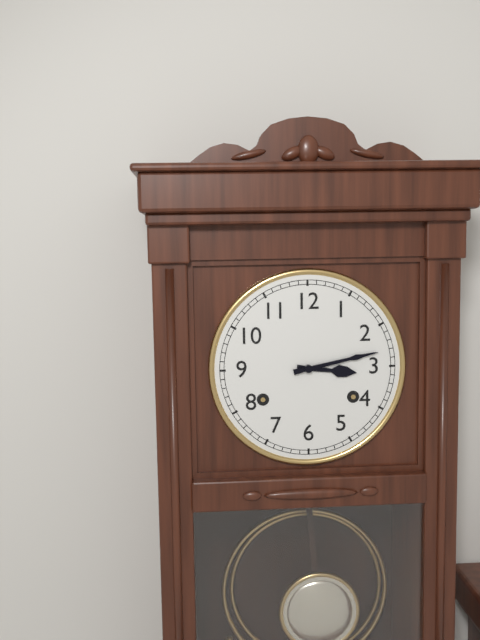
3:13
